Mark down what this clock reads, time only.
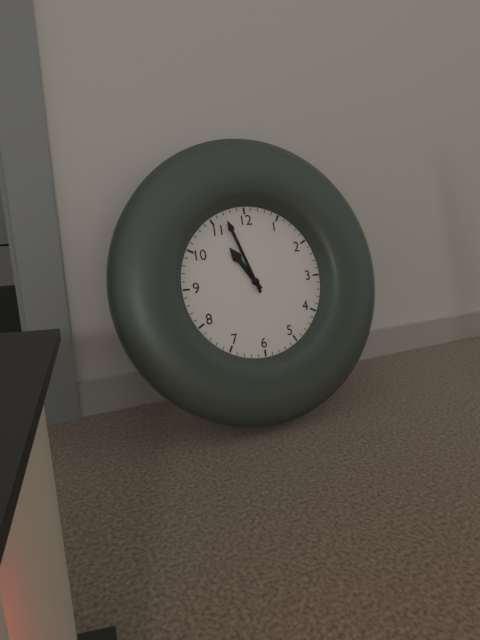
10:57
